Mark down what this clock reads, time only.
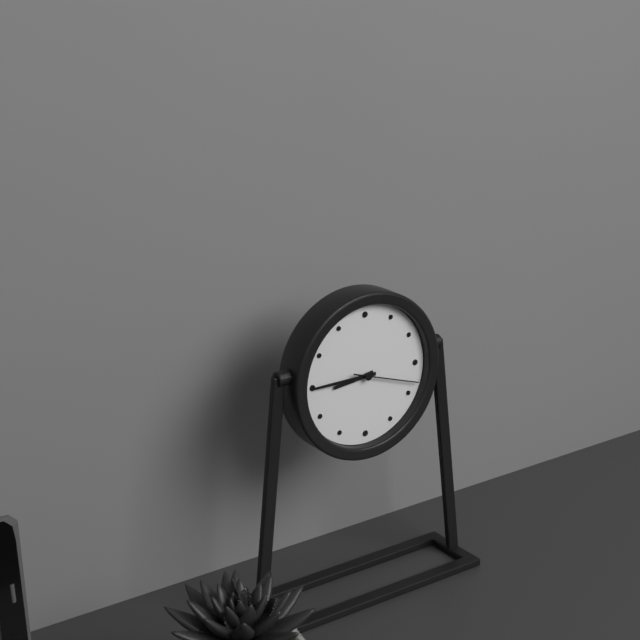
8:45:18
